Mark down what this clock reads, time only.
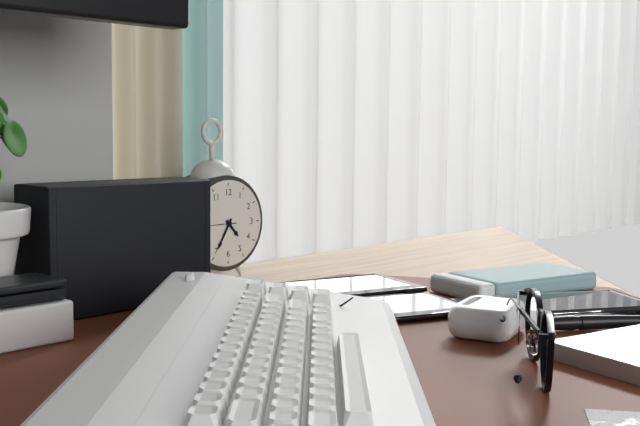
4:35
